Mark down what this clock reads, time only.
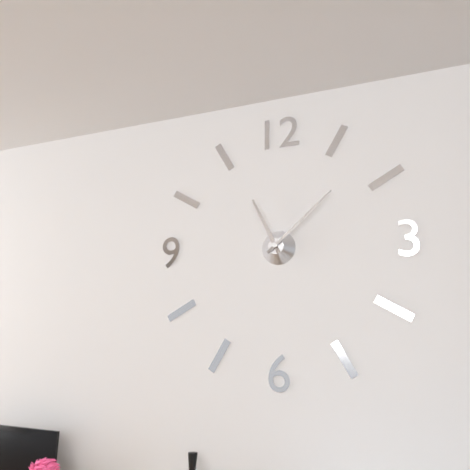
11:08
